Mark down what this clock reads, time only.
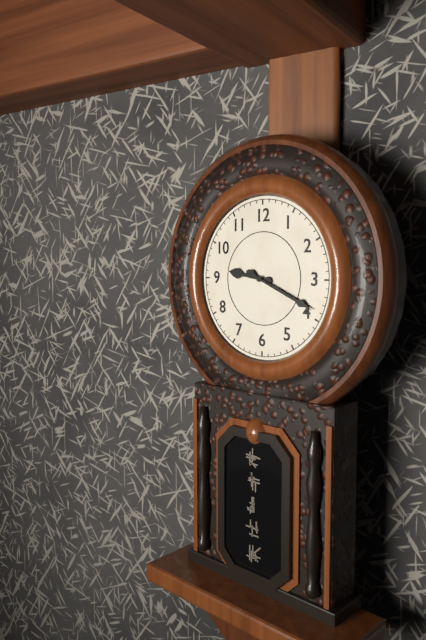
9:19
